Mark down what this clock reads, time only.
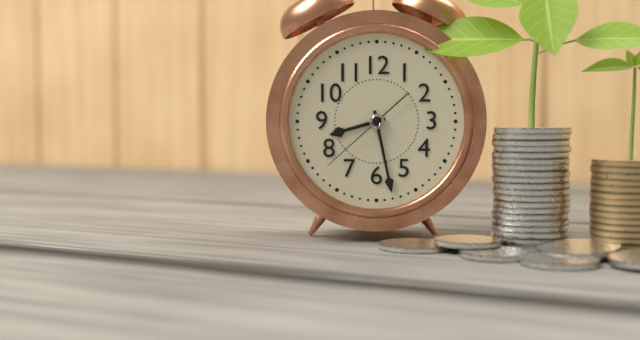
8:28:38
